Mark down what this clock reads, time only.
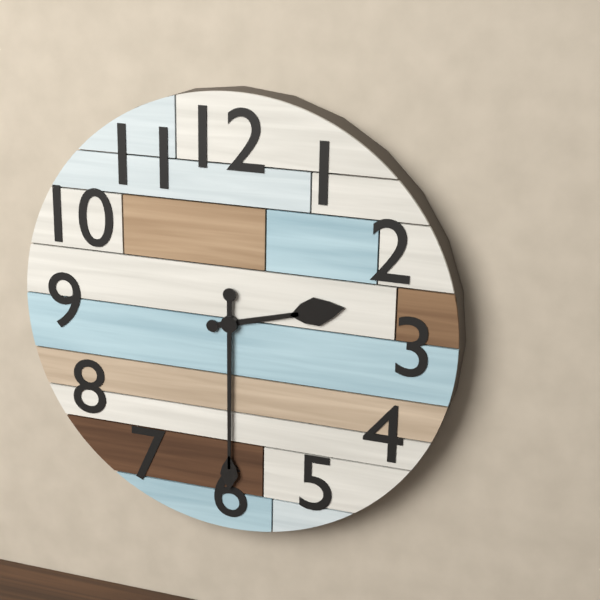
2:30
